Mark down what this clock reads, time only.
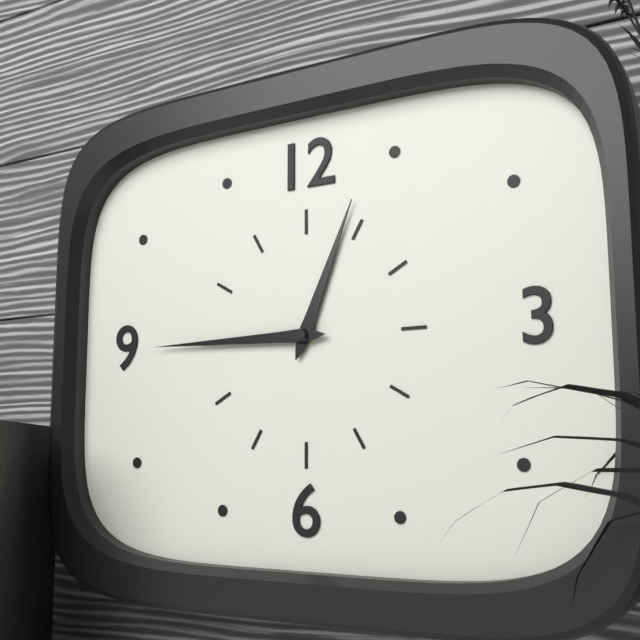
12:45
